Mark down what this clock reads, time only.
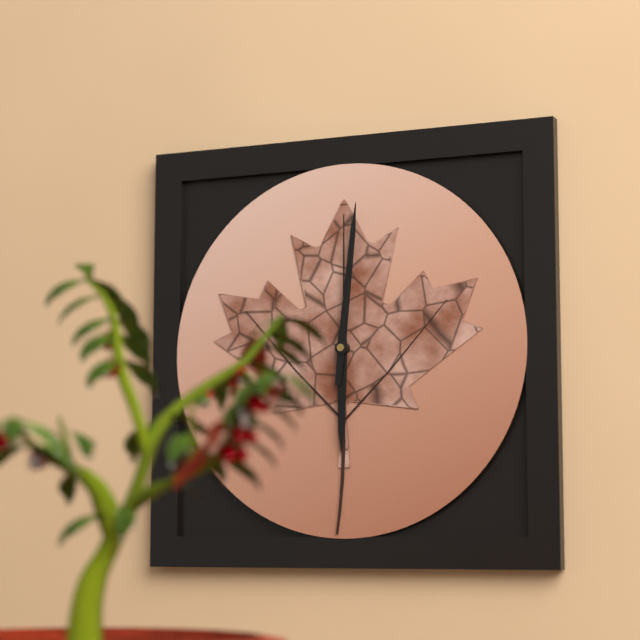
6:01
